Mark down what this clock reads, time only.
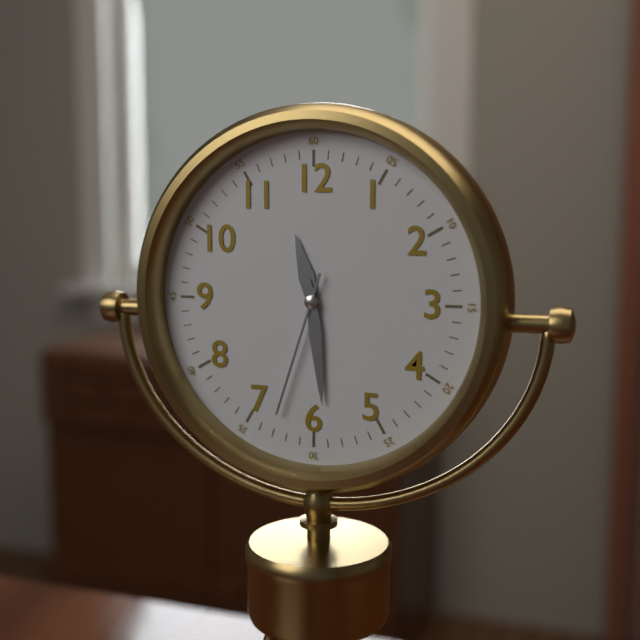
11:29:33
